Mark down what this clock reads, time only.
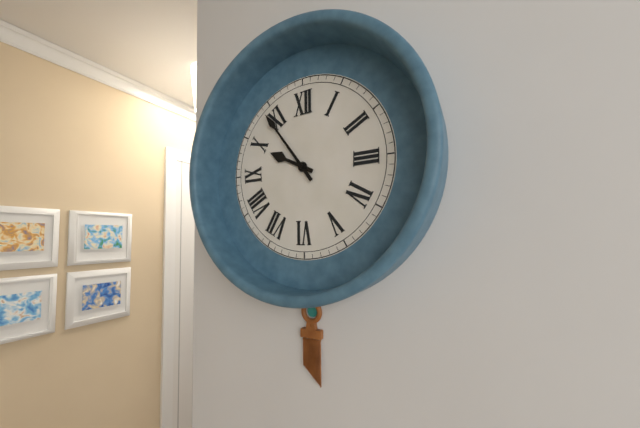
9:54
